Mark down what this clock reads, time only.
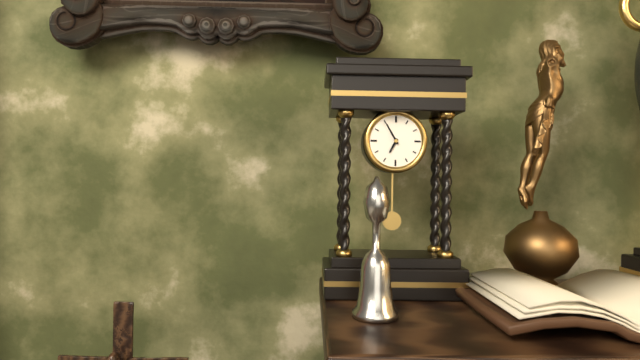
6:55
